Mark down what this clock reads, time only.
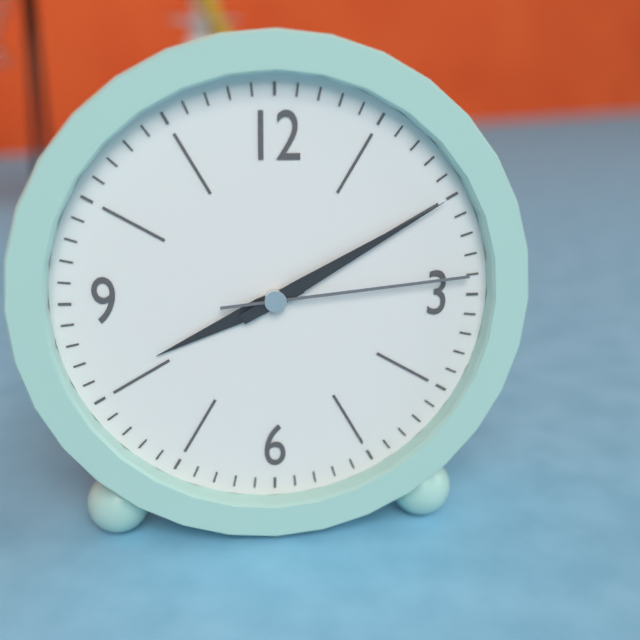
8:10:14
